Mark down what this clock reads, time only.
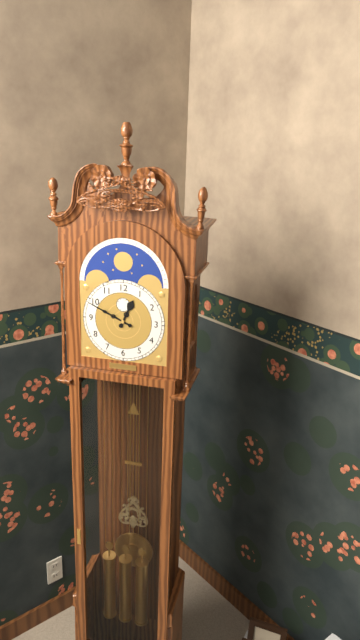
12:49
